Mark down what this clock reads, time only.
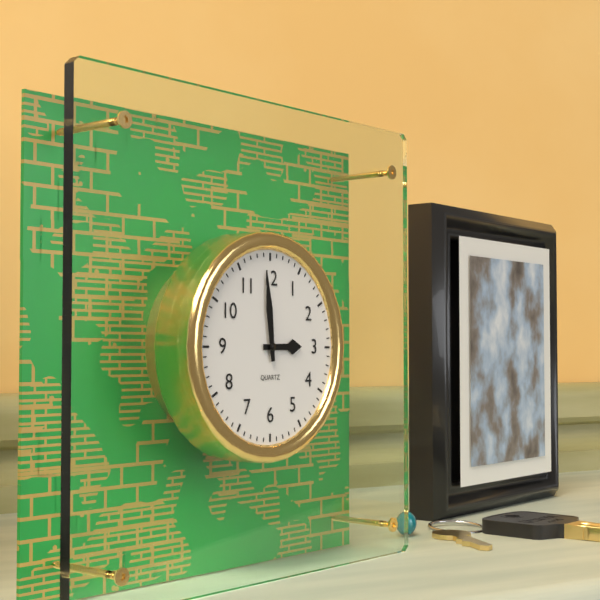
2:59
